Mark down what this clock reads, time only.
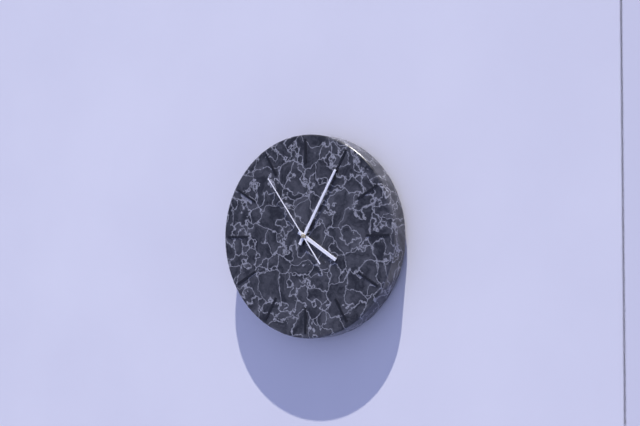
4:05:54
